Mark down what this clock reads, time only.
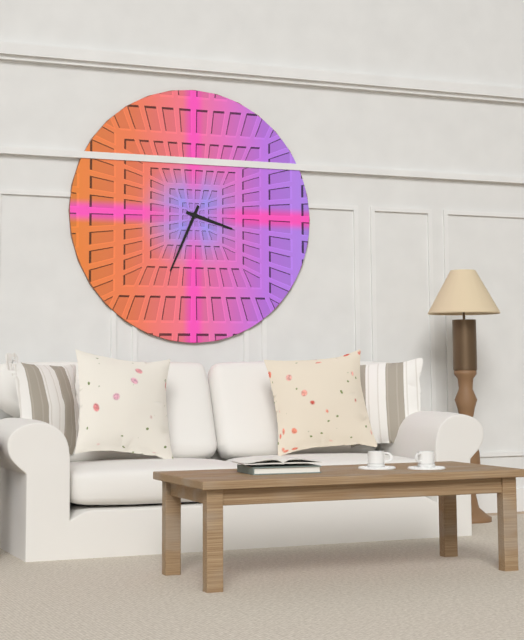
3:34
